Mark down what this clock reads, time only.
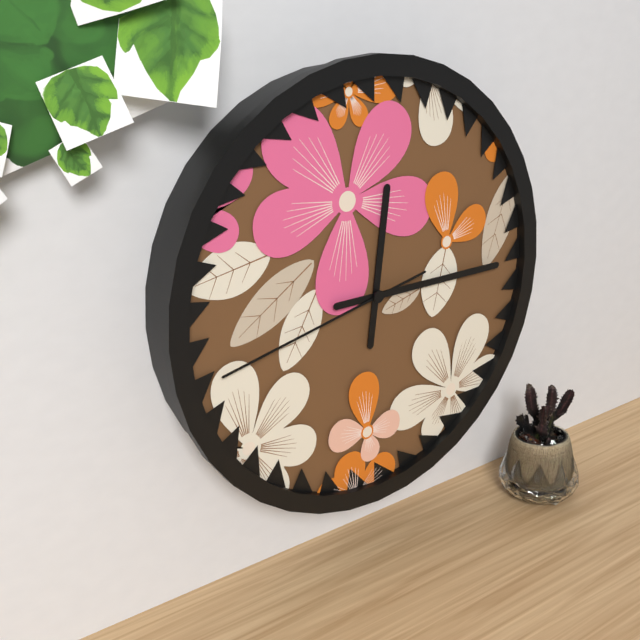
12:15:43
